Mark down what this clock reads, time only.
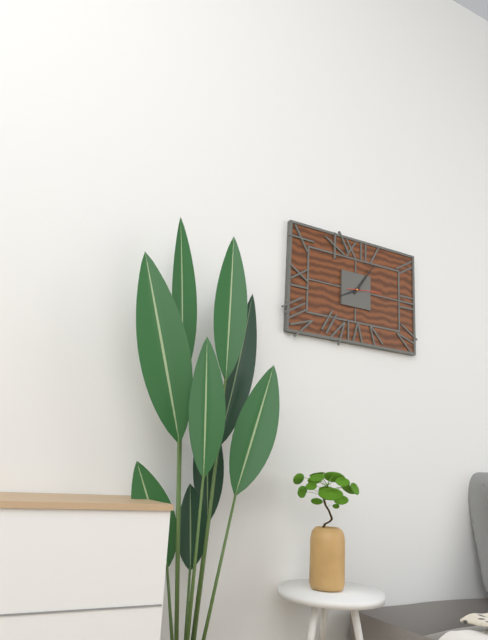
8:06
